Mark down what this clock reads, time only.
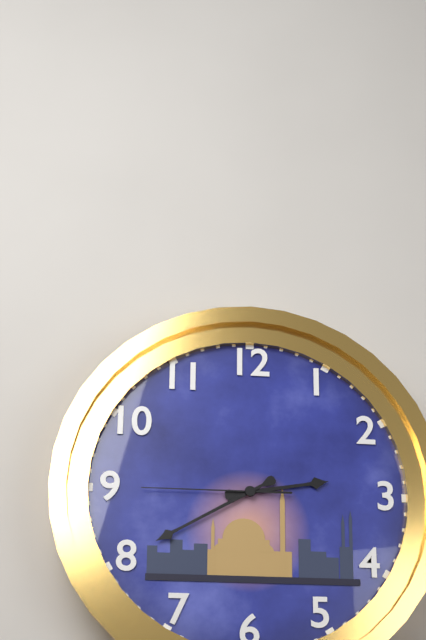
2:40:45
